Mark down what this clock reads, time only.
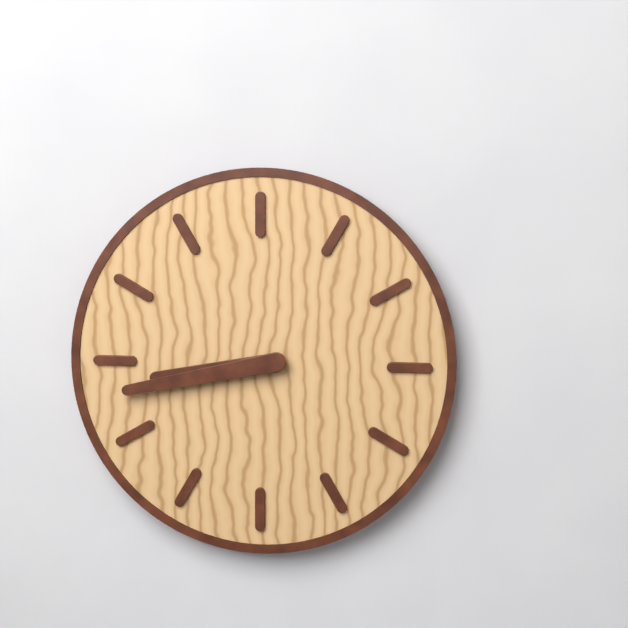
8:43
